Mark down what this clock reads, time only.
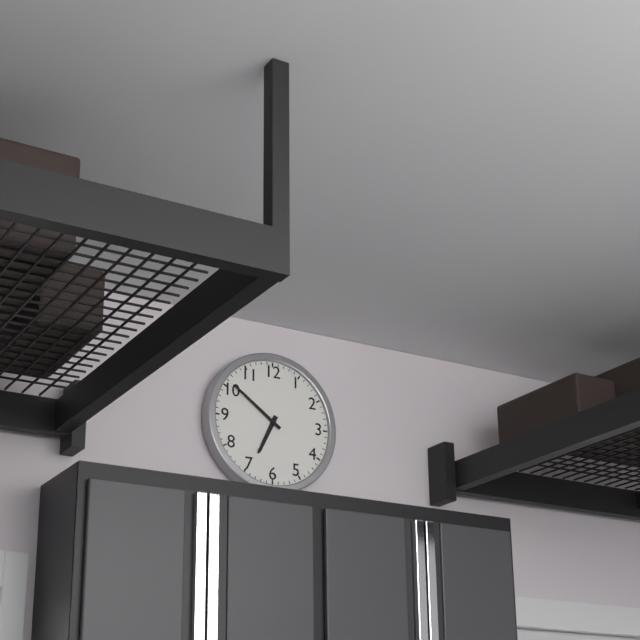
6:51
